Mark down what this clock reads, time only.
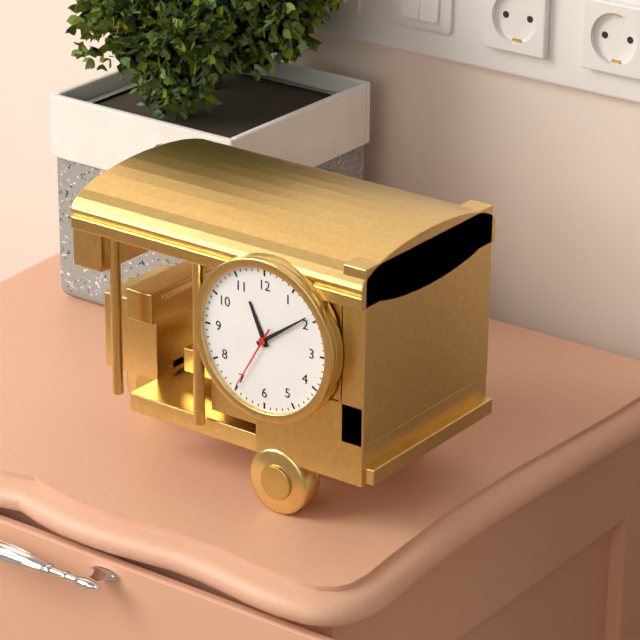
11:09:35
